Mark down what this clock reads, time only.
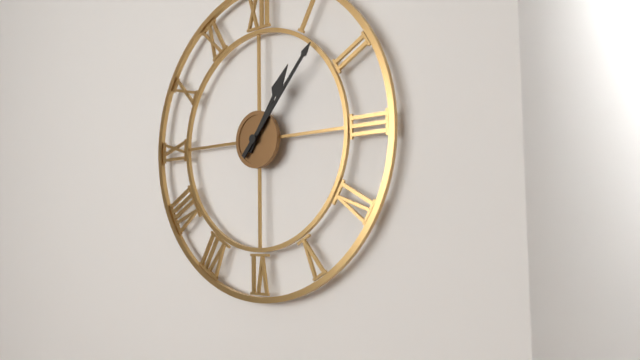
1:07
